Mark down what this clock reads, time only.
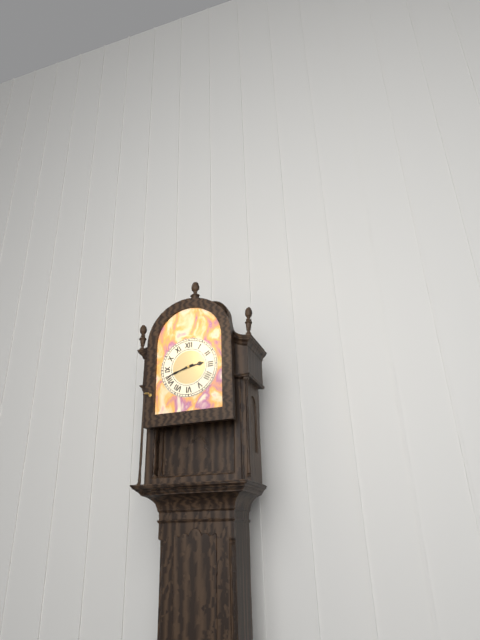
2:42
